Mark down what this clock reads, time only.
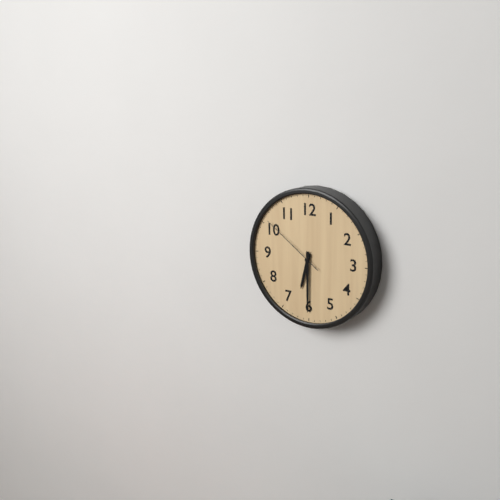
6:30:51
